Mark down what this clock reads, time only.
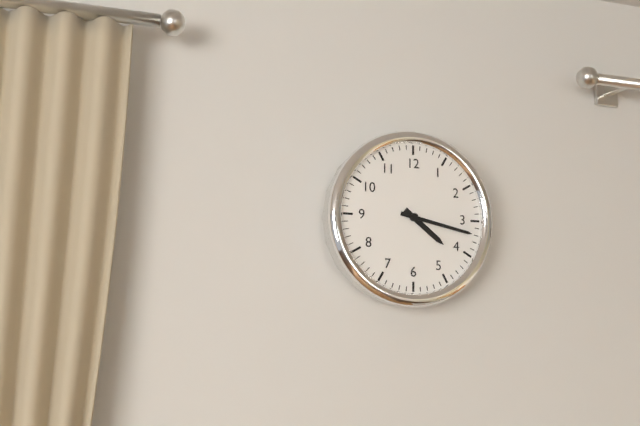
4:17
